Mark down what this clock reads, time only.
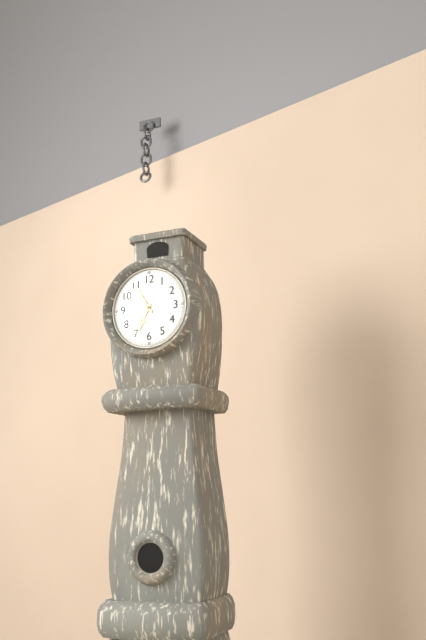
6:55
